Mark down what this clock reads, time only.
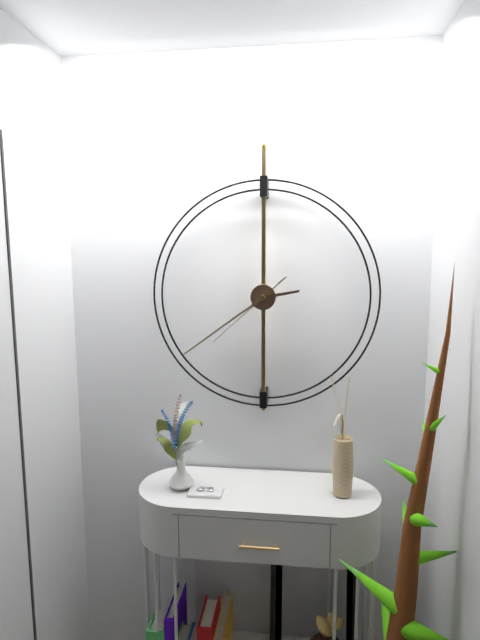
2:39:38
